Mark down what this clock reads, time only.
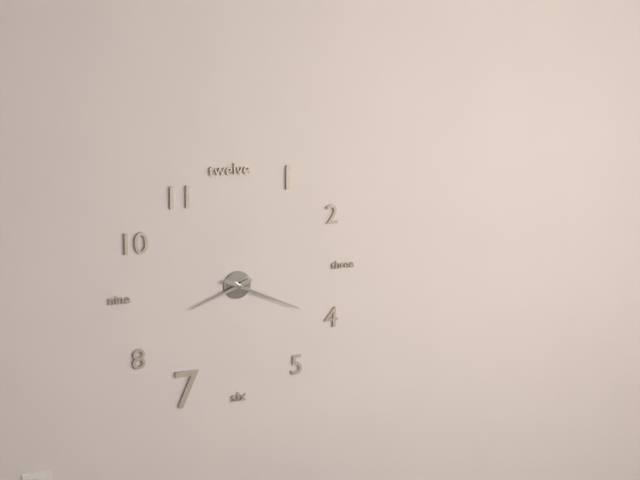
8:19
